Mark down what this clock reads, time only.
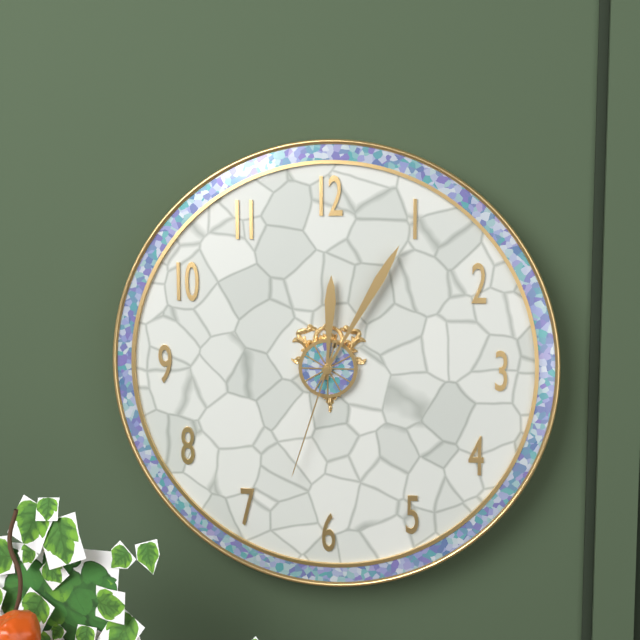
12:05:33
